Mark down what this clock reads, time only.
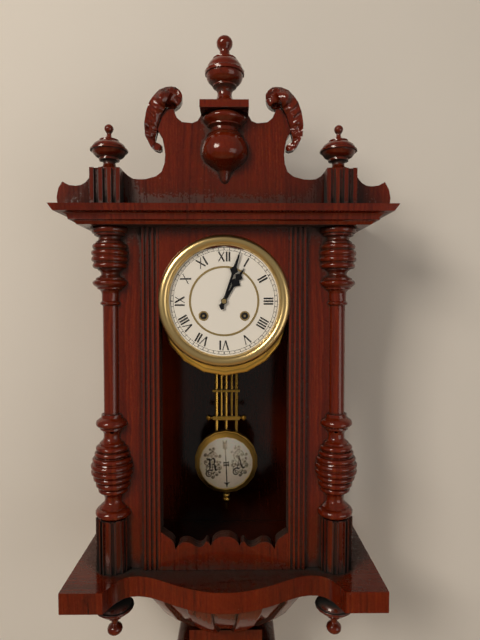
1:03
